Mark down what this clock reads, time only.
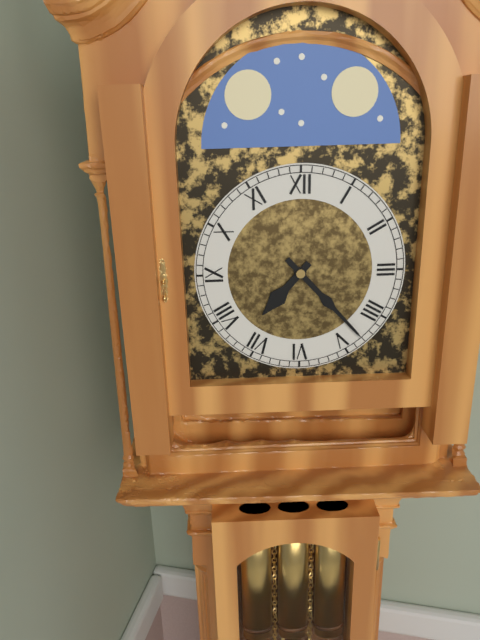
7:23
